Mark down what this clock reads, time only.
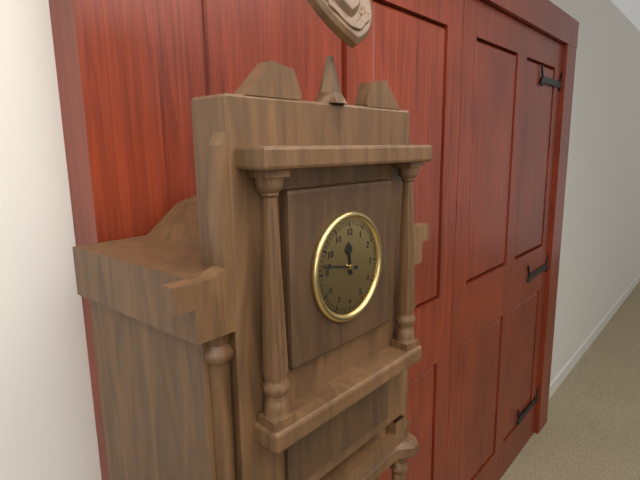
11:47
